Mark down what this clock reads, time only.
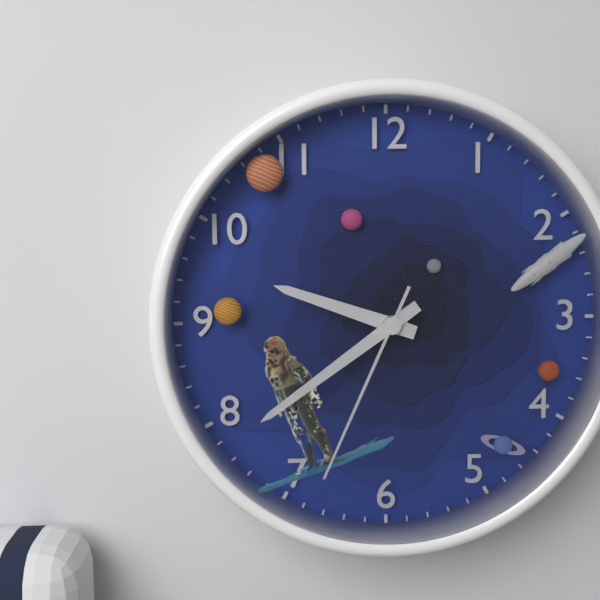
9:39:34
